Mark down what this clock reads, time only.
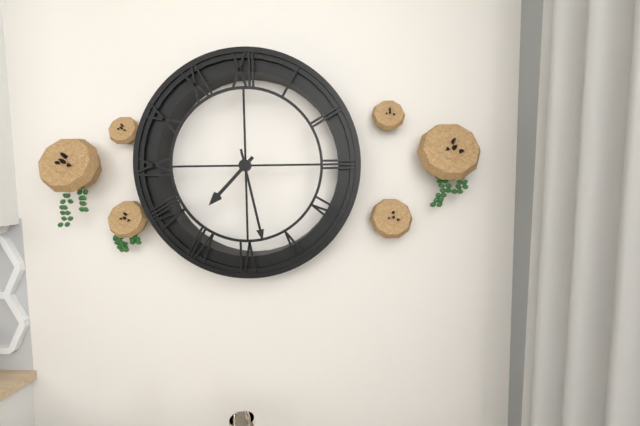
7:28
